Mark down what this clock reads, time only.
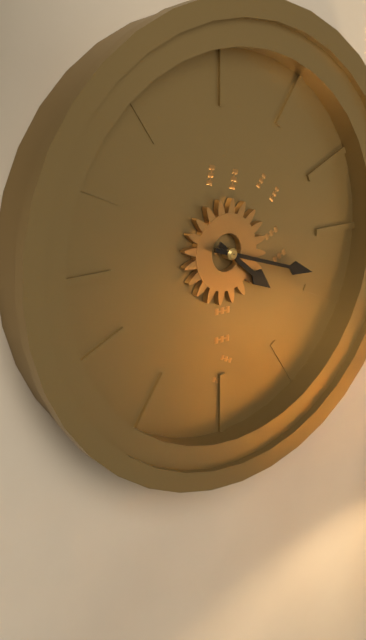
4:18
